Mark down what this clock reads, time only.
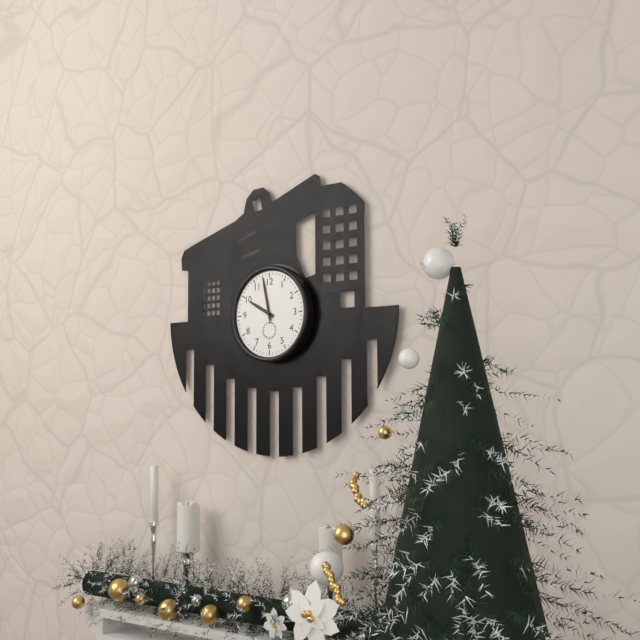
9:58
